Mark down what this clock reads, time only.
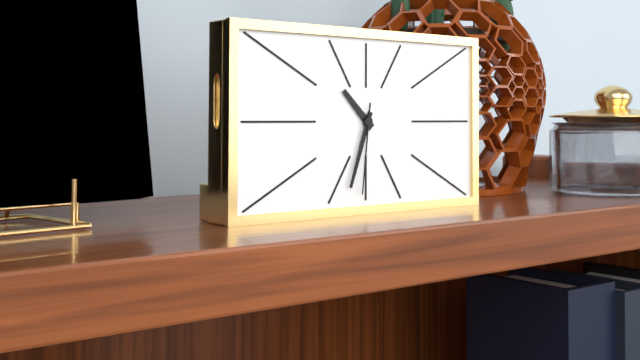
10:33:31
